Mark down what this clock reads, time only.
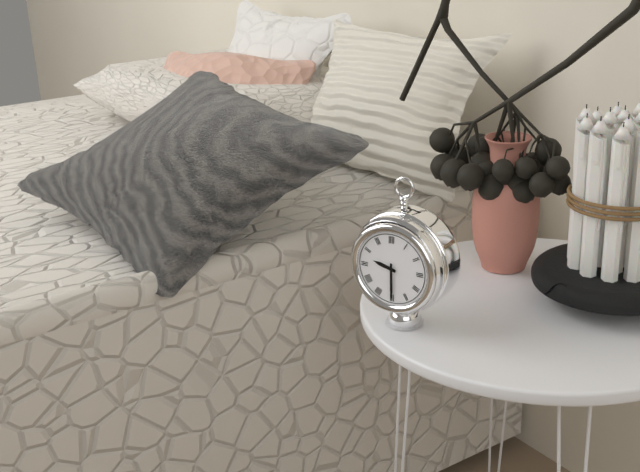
9:30
